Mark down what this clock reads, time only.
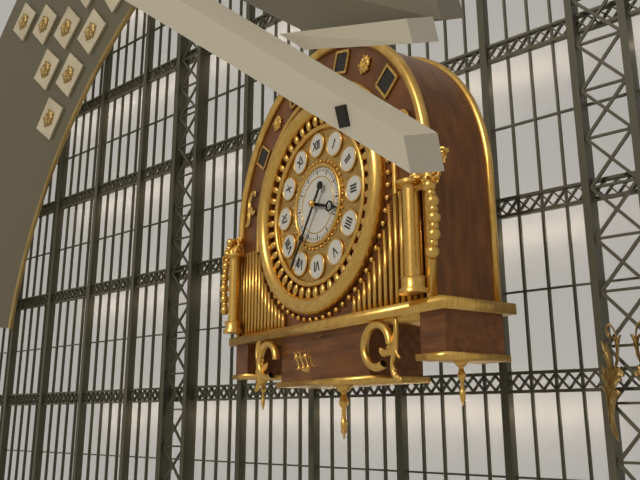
3:36
